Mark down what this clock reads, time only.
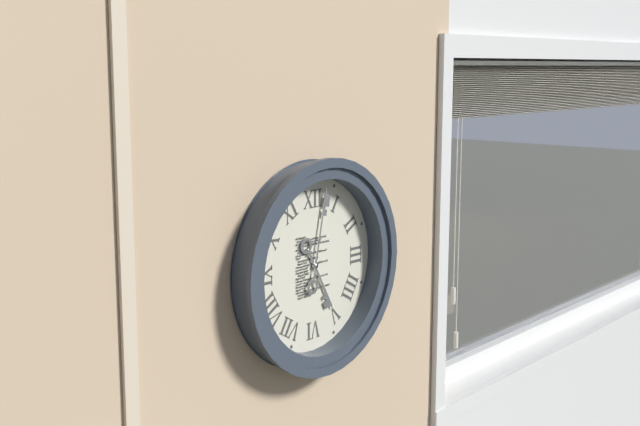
5:02
